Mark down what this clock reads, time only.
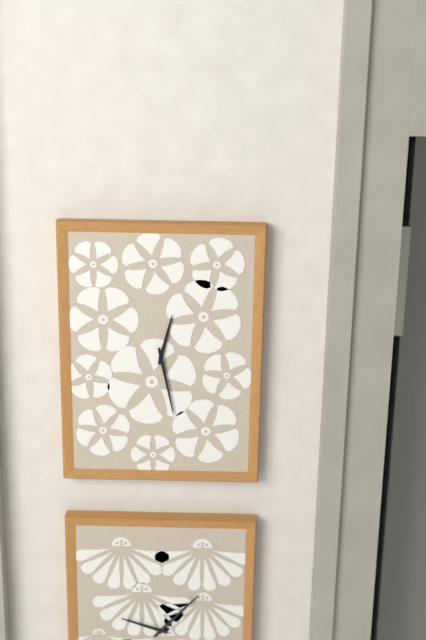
12:28
